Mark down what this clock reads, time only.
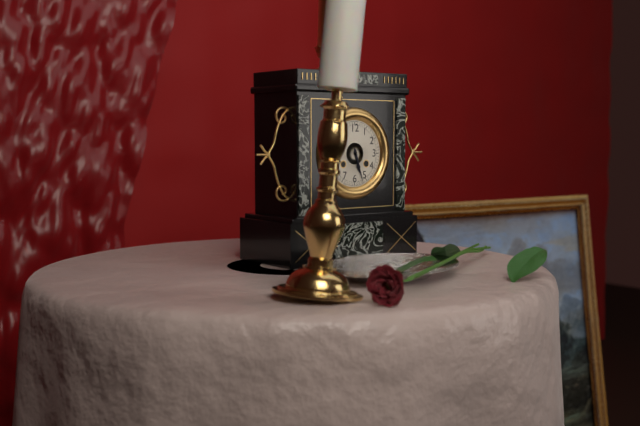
5:27
